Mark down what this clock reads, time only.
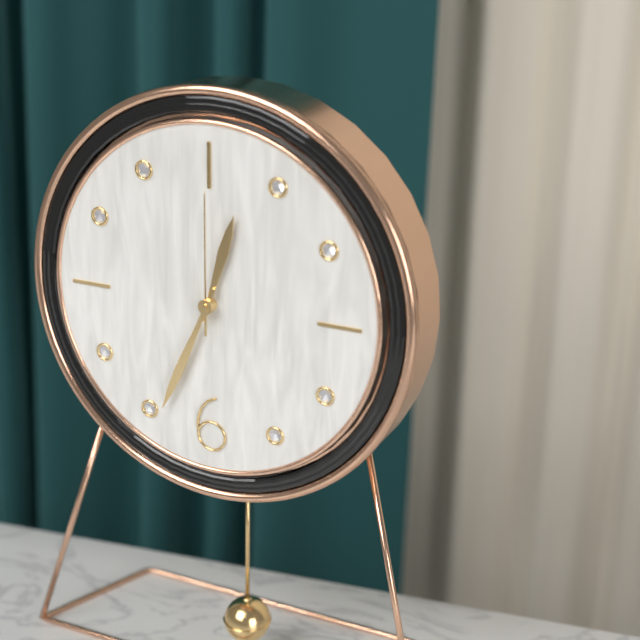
12:34:00
